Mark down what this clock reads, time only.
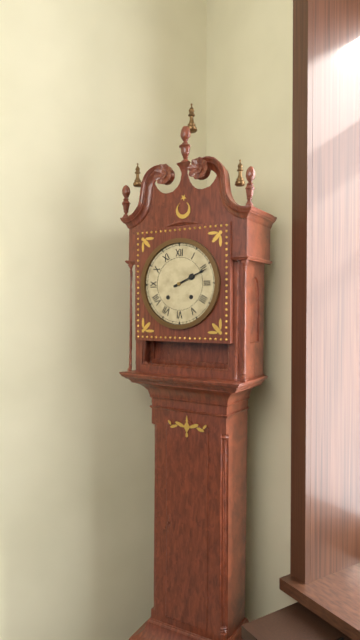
2:11
